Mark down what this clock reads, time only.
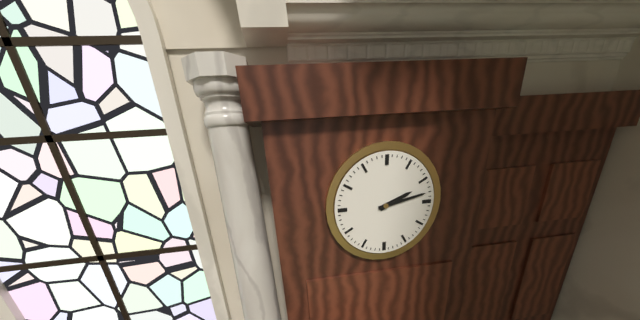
2:13
